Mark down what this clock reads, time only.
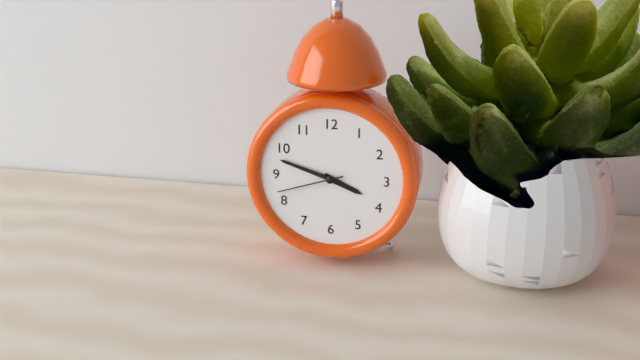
3:48:42
